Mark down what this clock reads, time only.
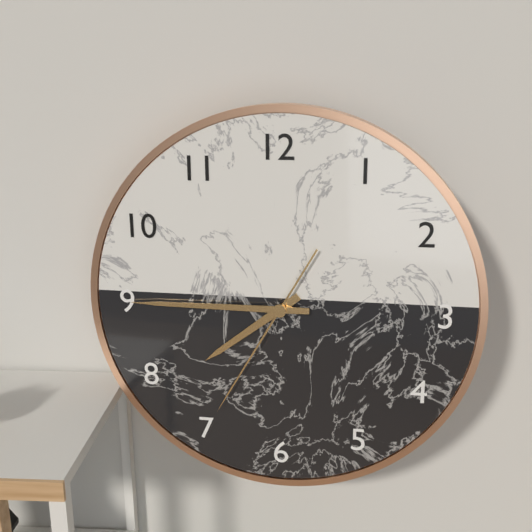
7:45:35
